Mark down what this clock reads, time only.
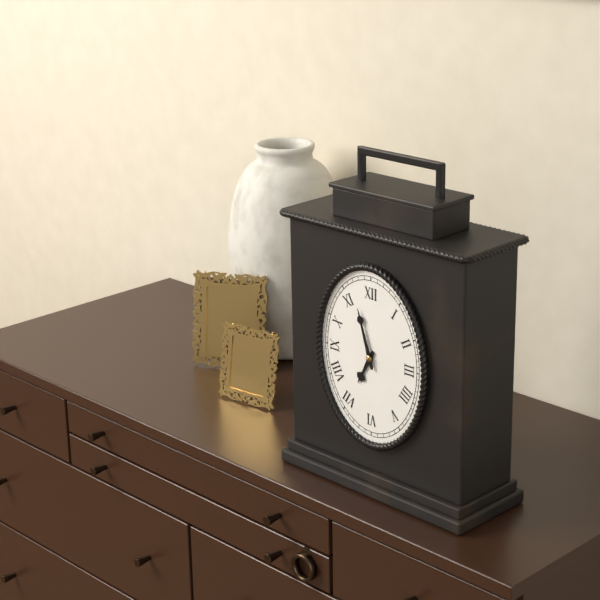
6:57
